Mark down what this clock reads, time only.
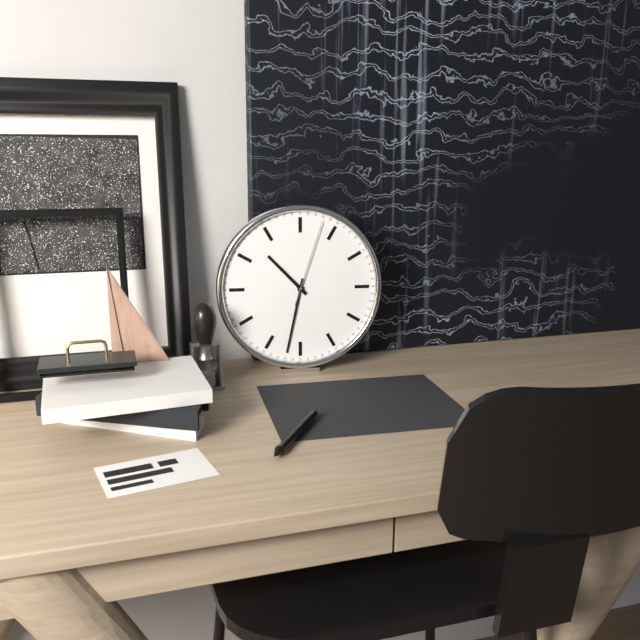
10:32:03
